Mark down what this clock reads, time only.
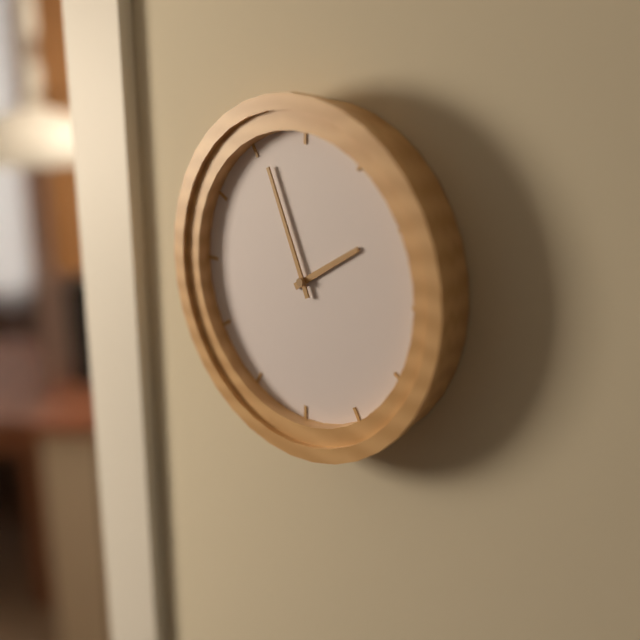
1:56
